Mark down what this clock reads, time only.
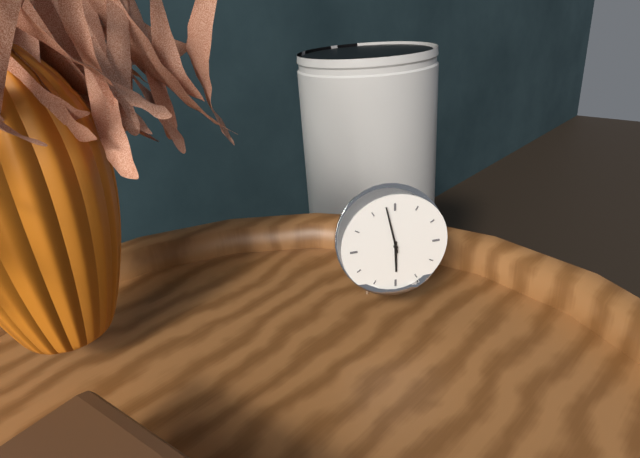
5:58
